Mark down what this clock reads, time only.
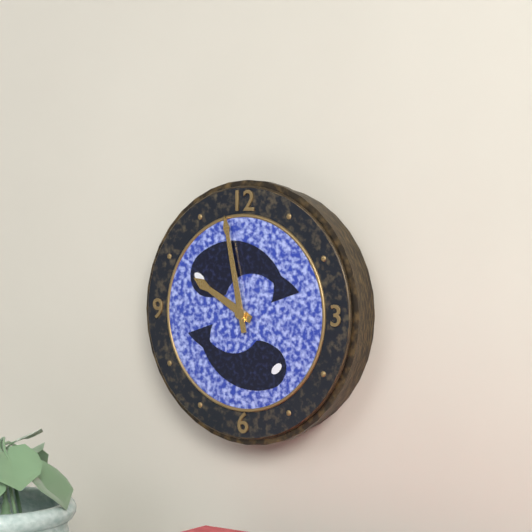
9:58
